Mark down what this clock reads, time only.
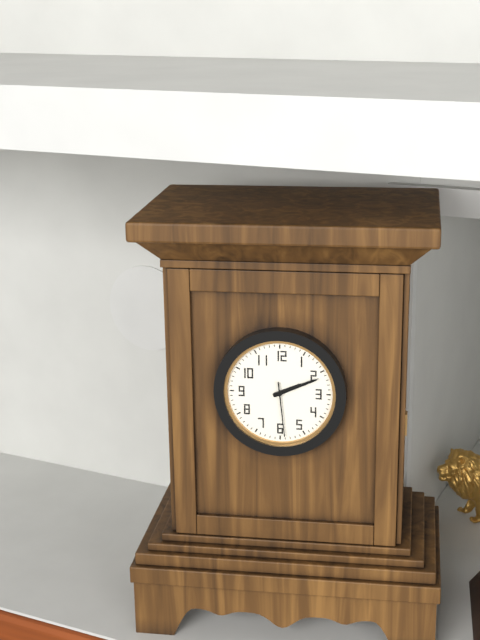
2:11:29
